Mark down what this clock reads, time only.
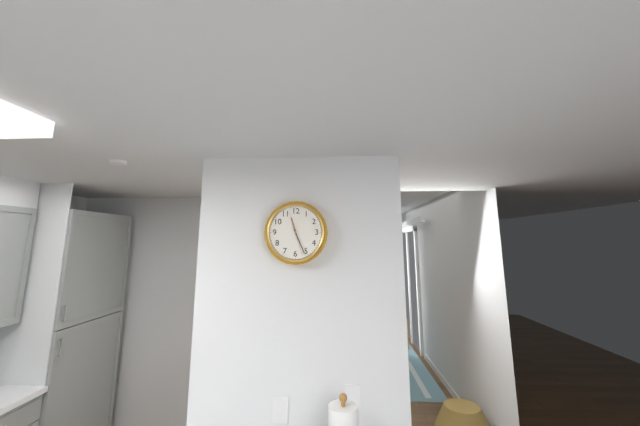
11:26
